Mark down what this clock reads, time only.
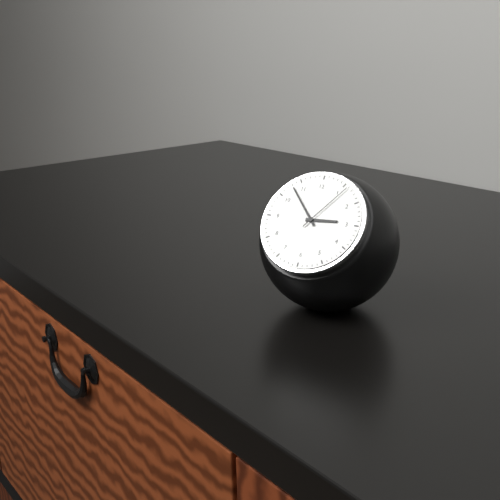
2:53:06
